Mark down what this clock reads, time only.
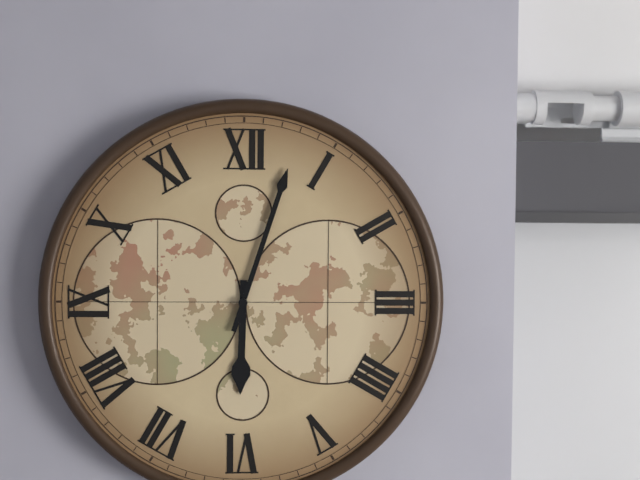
6:03
